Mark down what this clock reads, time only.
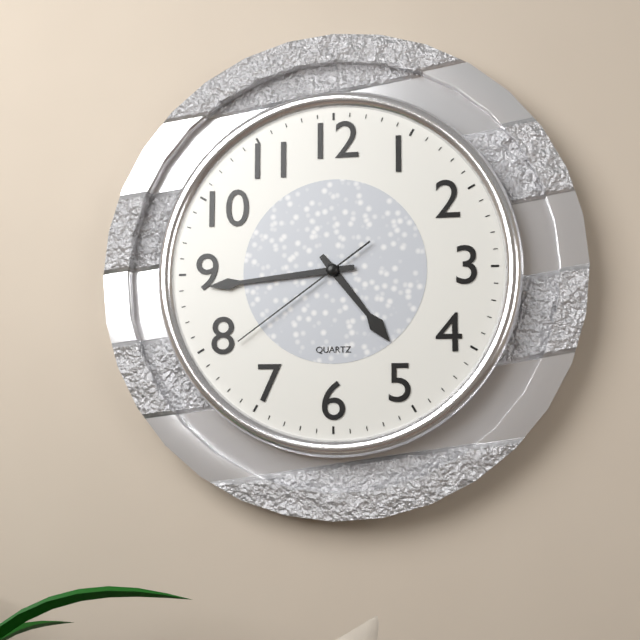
4:44:39
